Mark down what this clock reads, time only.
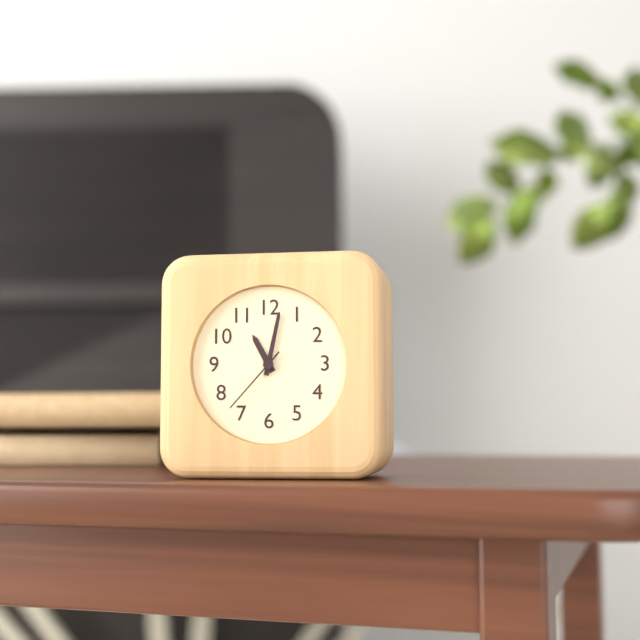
11:02:37
